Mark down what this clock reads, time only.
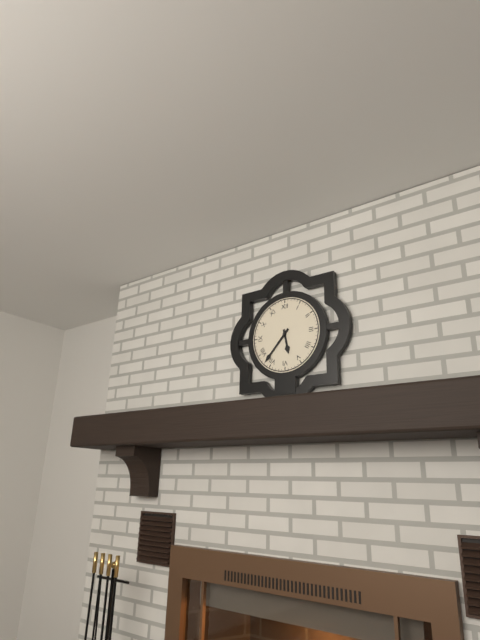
5:37
